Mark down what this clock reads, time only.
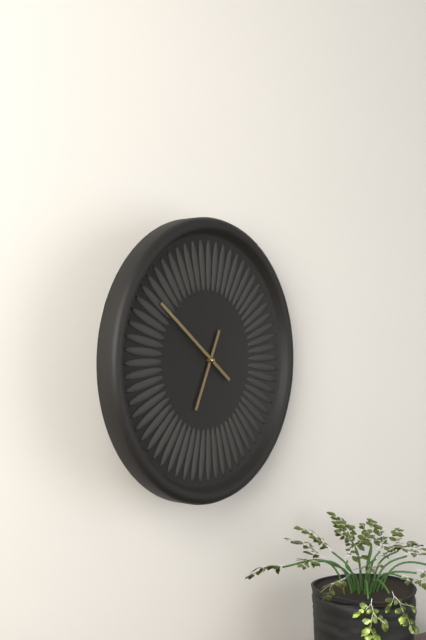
6:51
